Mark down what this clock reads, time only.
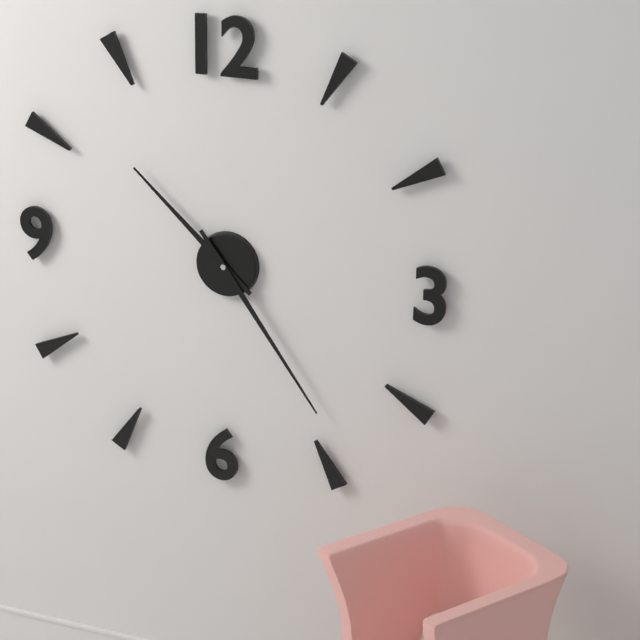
10:24
